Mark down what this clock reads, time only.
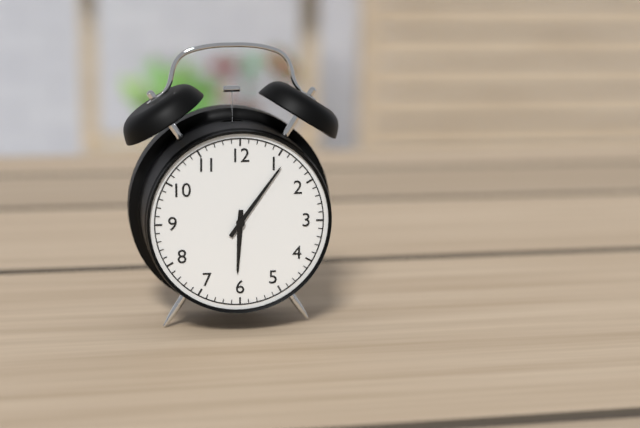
6:06
